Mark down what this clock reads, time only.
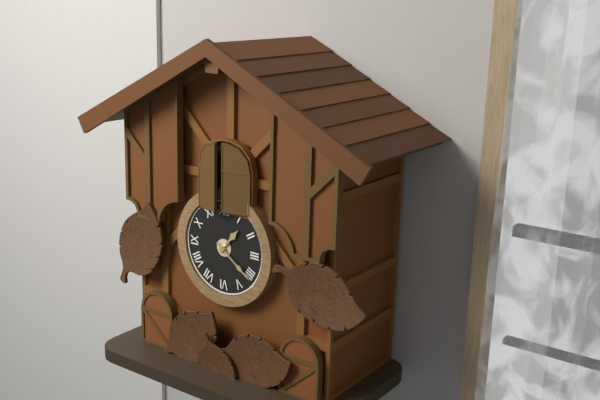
1:21
